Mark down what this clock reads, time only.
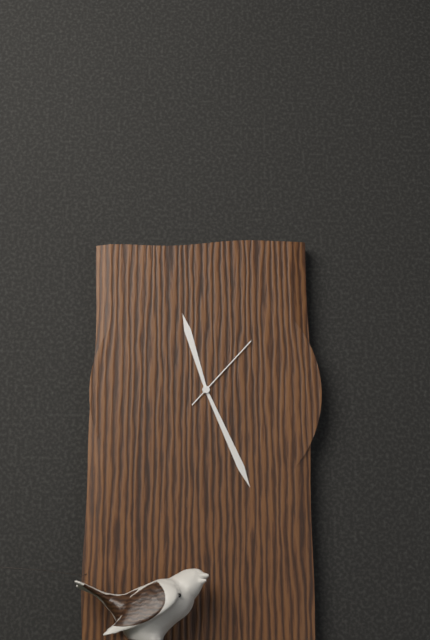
11:26:07
